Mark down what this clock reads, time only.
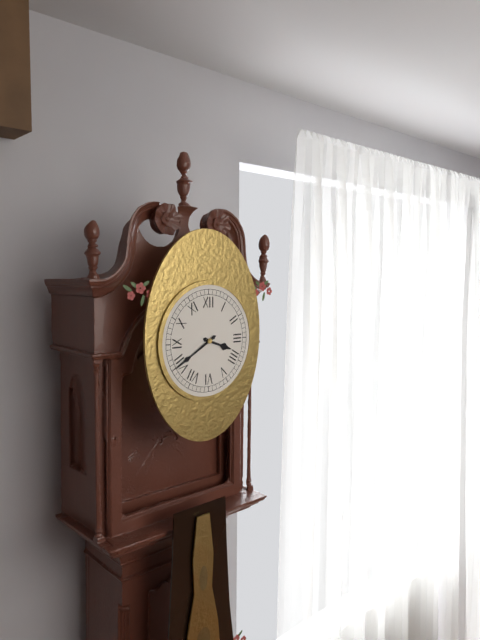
3:40
